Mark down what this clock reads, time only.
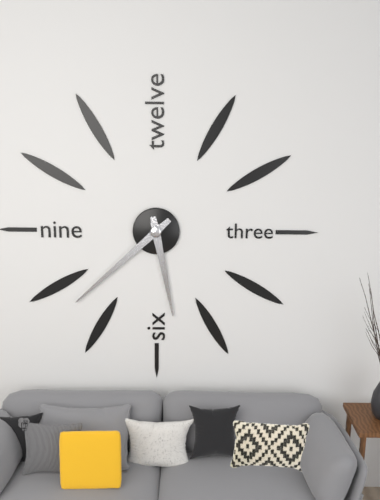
5:38
